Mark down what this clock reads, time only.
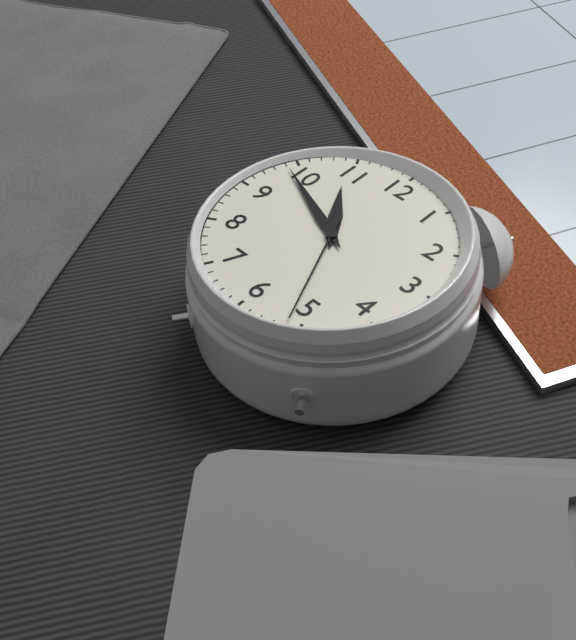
10:49:26
